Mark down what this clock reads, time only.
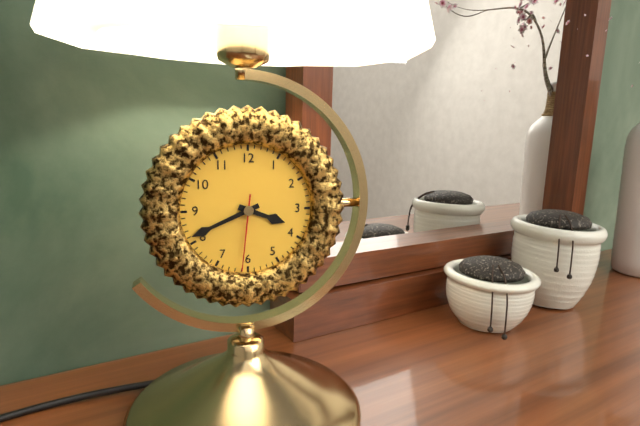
3:41:31
